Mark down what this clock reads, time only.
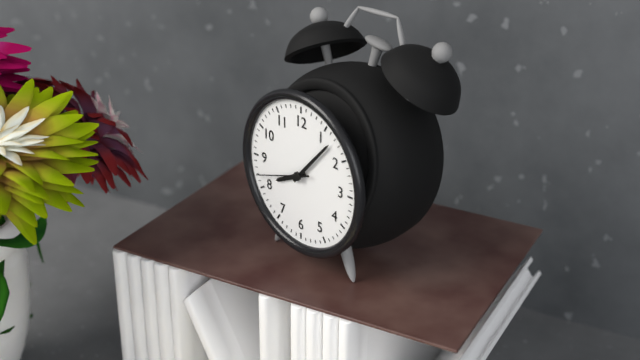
8:07:42
